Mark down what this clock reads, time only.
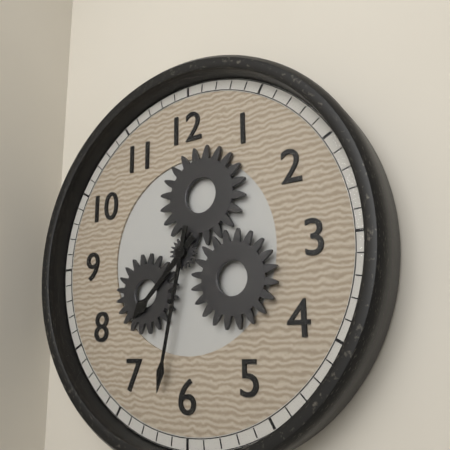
7:32
